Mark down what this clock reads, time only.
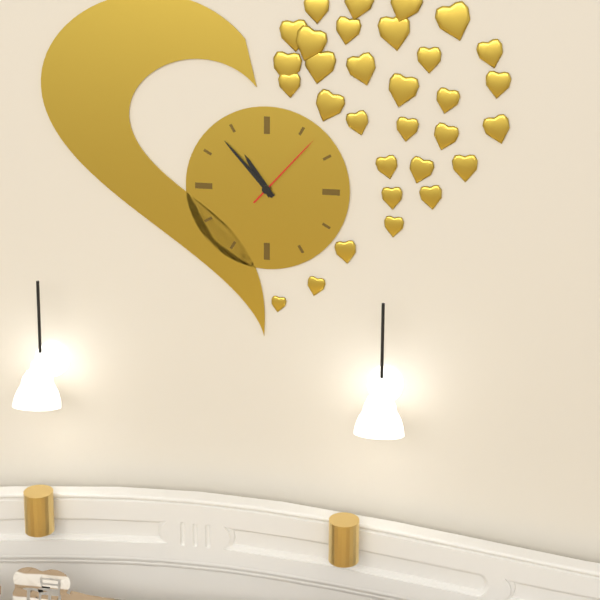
10:53:07
